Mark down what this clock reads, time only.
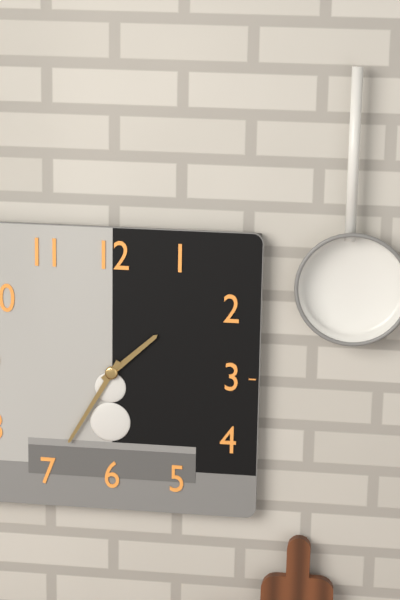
1:35
